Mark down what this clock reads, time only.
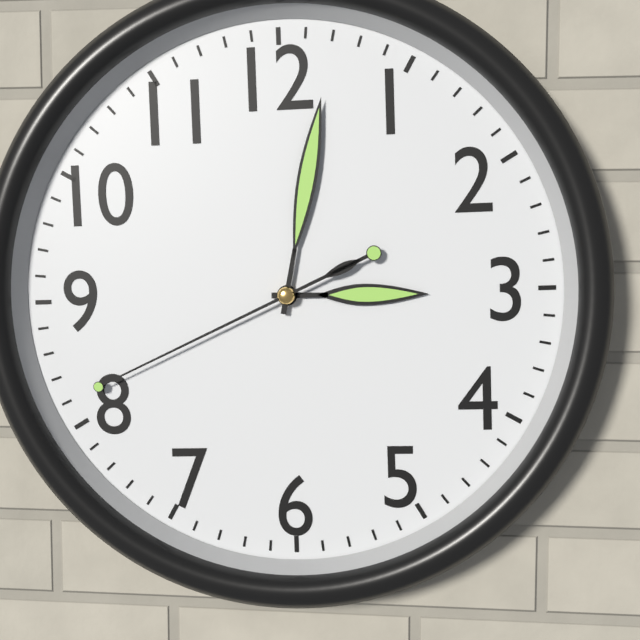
3:02:41
